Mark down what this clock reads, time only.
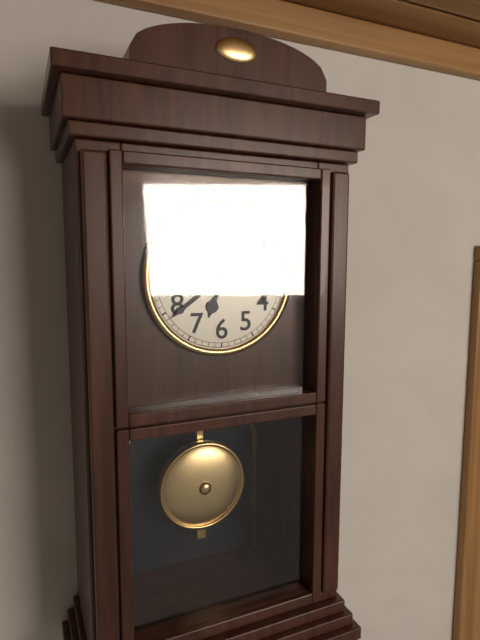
6:39
